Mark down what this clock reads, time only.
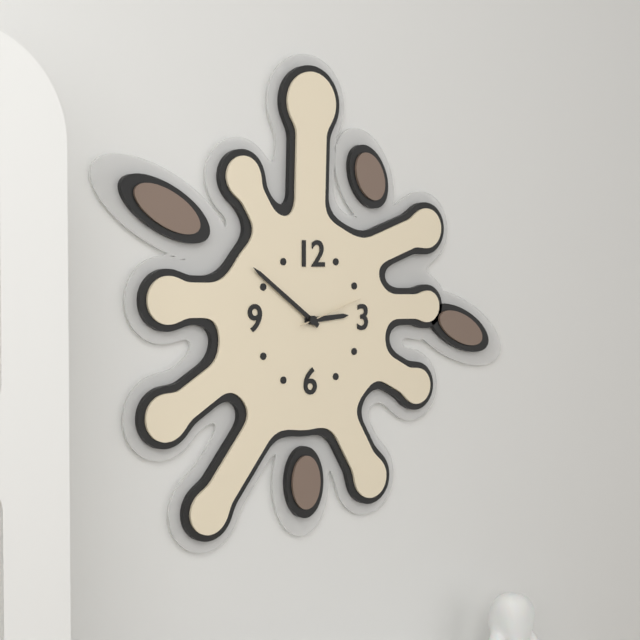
2:51:12
